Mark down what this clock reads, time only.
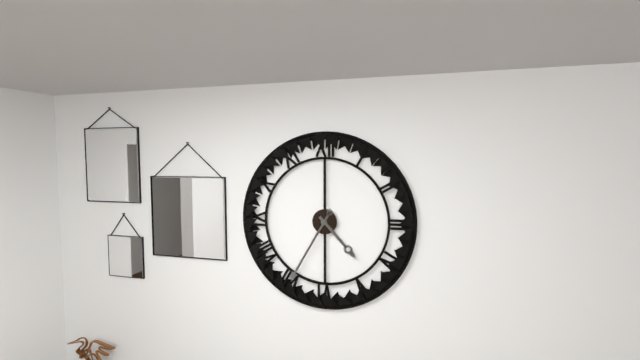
4:35
